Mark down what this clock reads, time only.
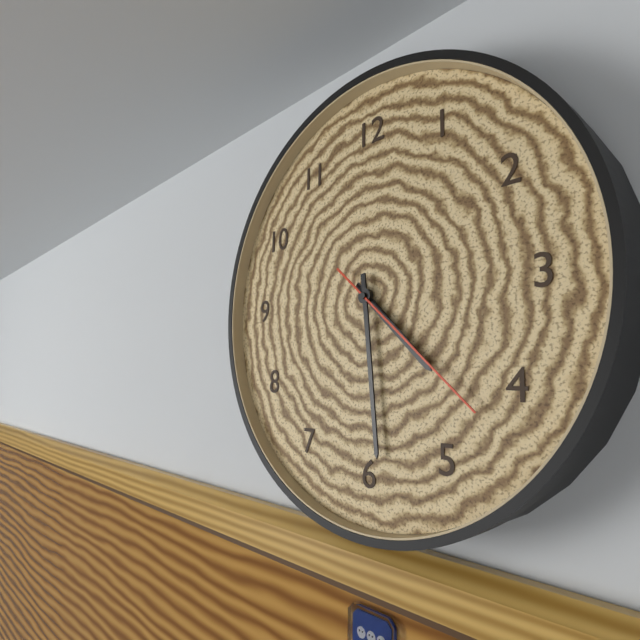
4:29:22
